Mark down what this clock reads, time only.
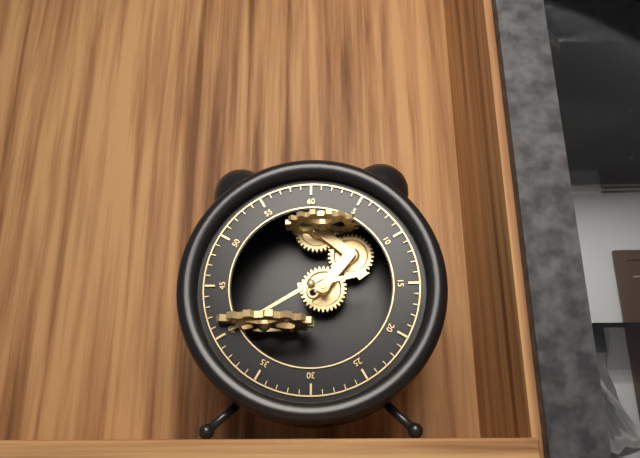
2:40
